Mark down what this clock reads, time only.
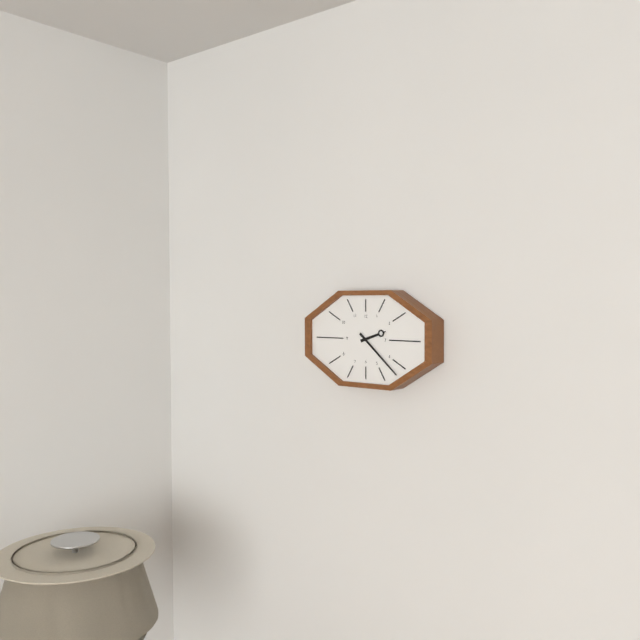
2:22
